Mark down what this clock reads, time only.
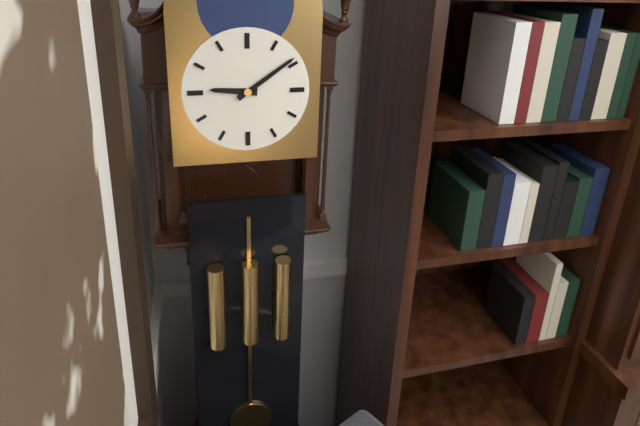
9:09
